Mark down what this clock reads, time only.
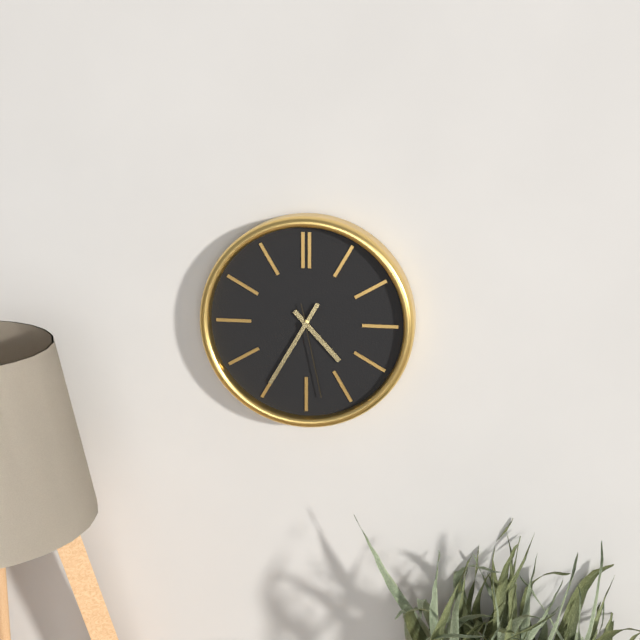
4:35:28
